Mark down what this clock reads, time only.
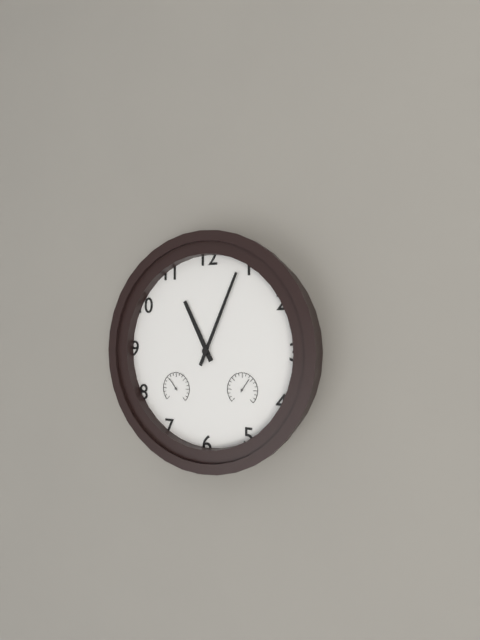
11:04
